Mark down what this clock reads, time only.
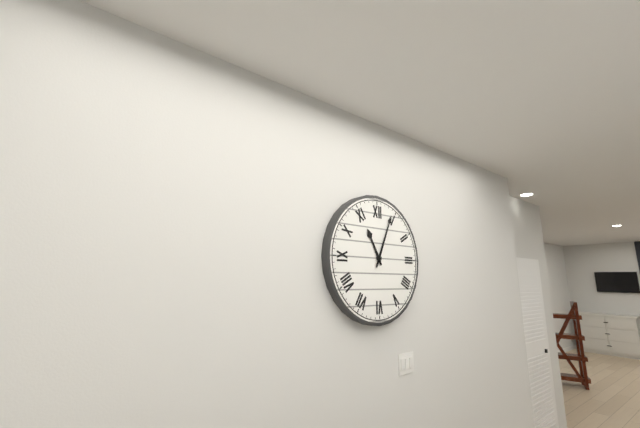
11:04
